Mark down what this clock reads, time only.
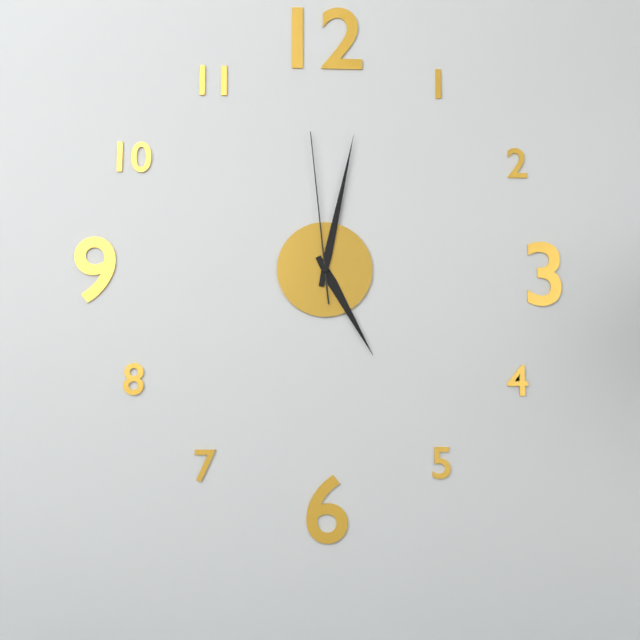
5:02:59
